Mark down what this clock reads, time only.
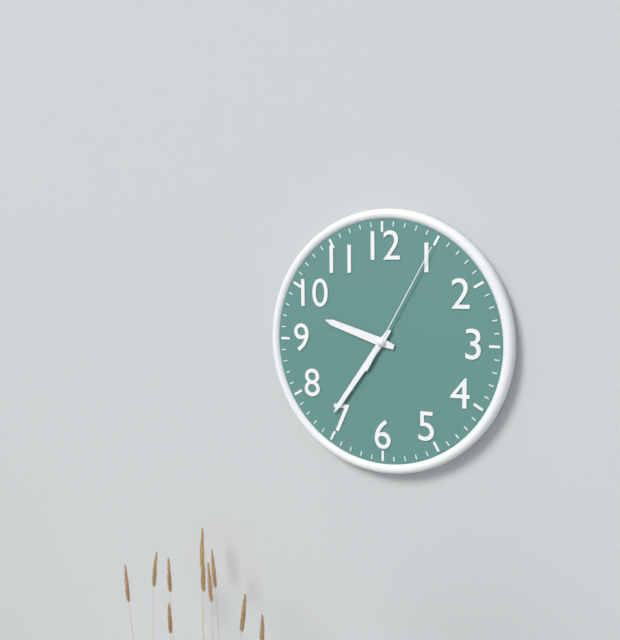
9:36:05
